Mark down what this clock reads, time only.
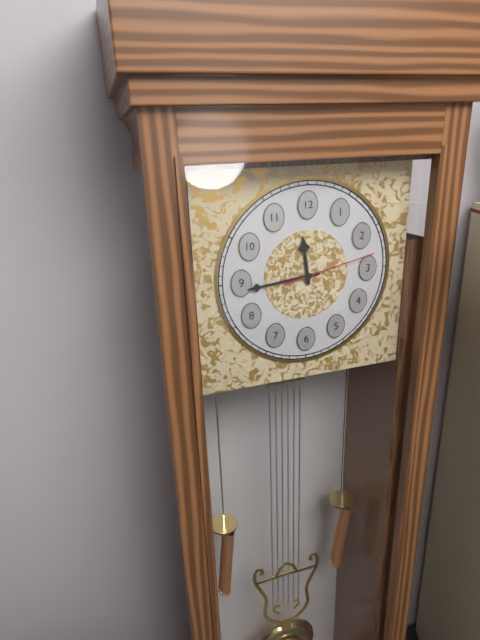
11:44:13
